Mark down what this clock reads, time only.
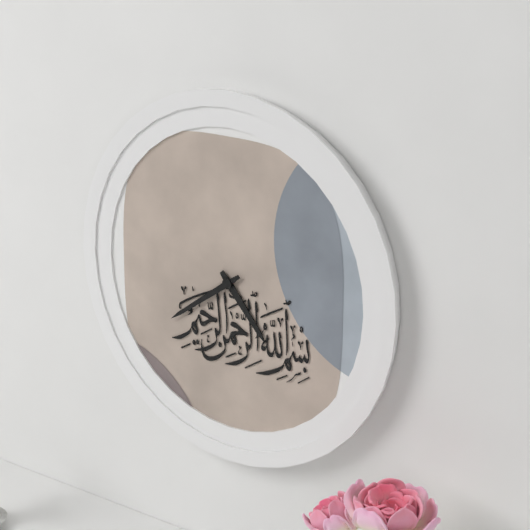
4:39
